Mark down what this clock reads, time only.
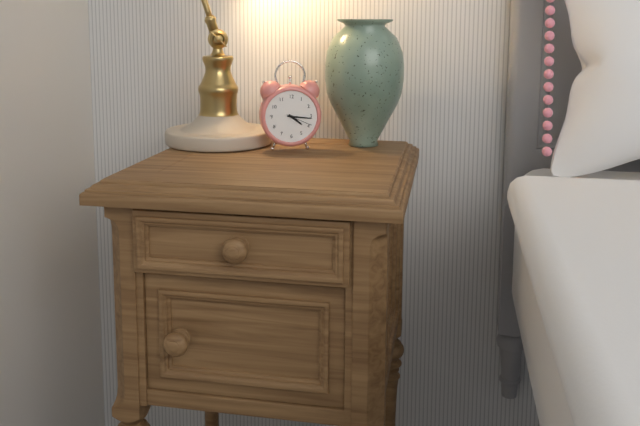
4:16
